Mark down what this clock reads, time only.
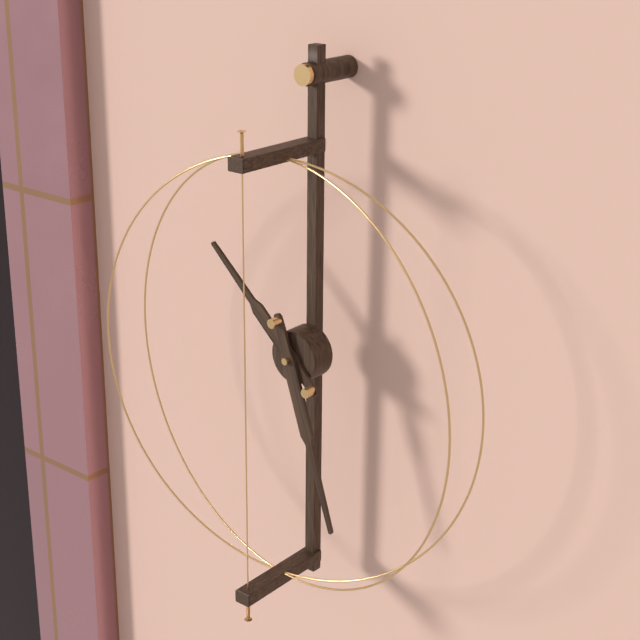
10:27
